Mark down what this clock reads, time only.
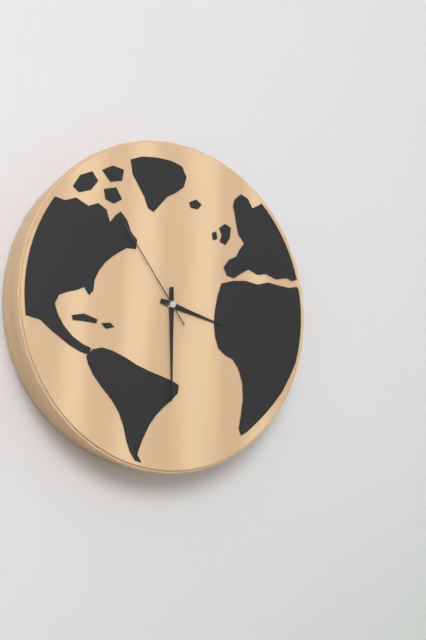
3:30:54
